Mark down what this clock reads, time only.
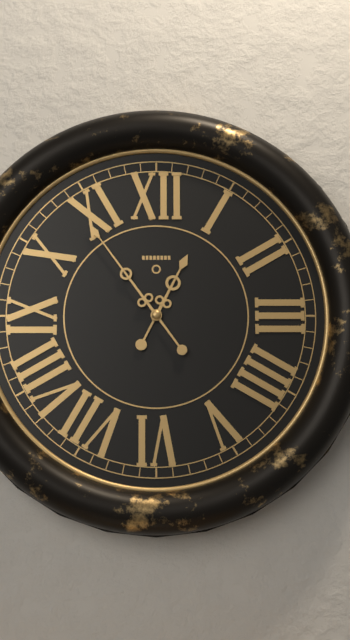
12:54
